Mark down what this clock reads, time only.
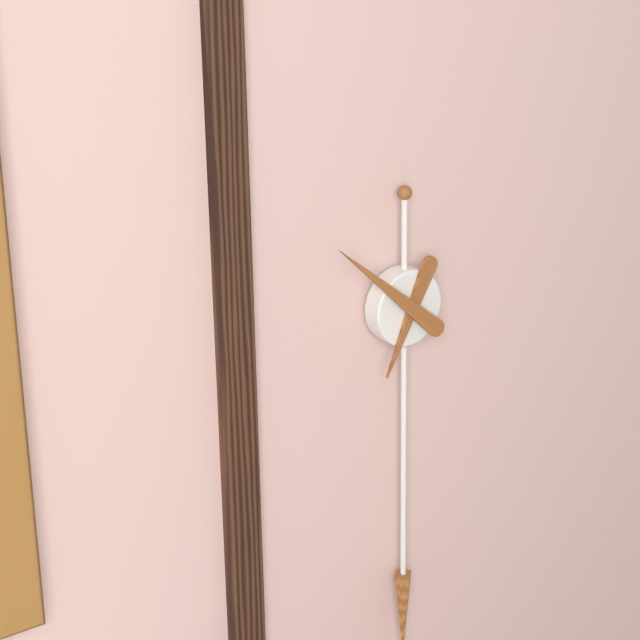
6:52
